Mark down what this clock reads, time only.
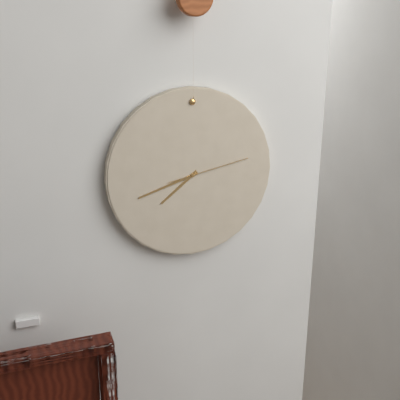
7:42:13
